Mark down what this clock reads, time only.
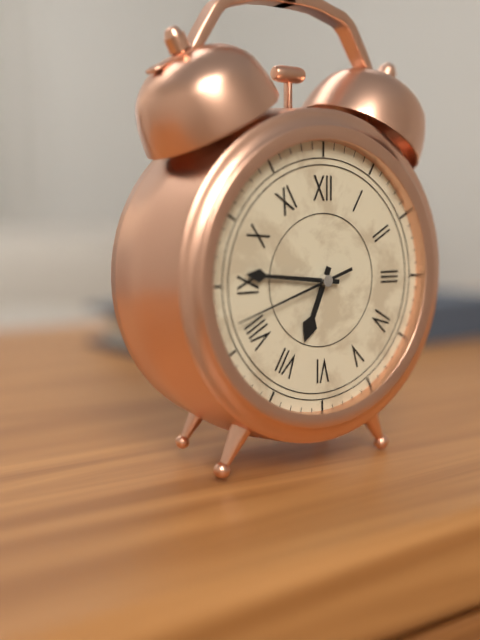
6:46:42
